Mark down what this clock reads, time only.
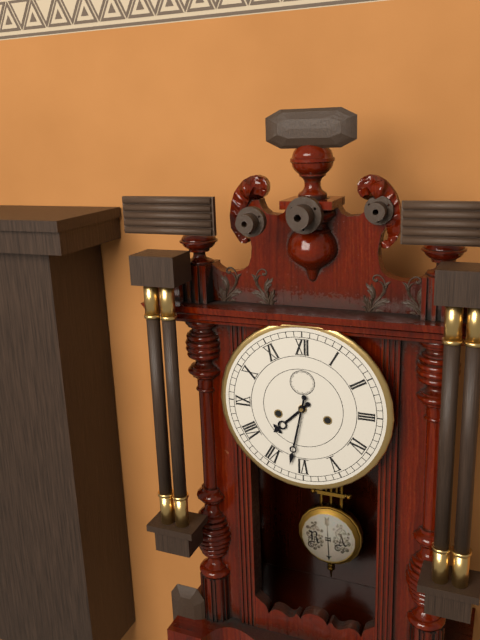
7:32
